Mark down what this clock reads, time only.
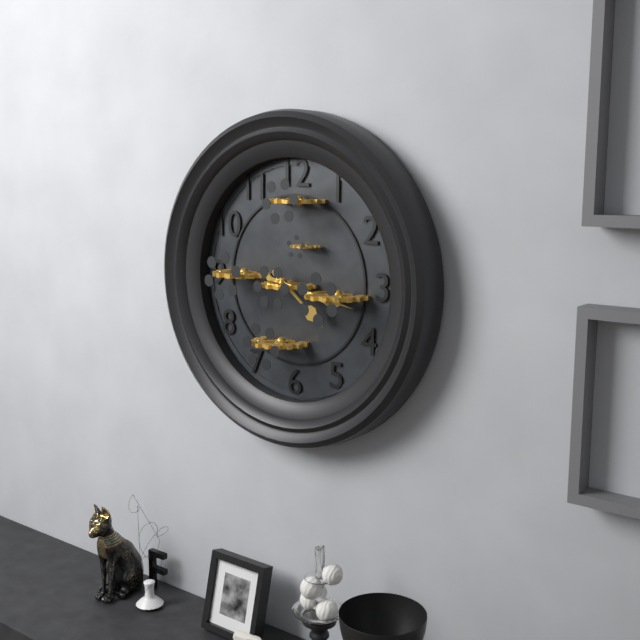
4:17
